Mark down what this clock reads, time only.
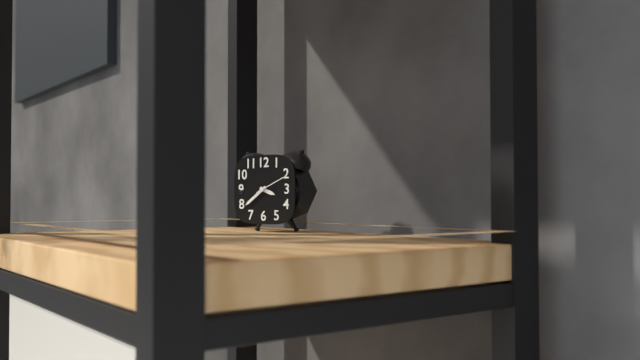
3:39
